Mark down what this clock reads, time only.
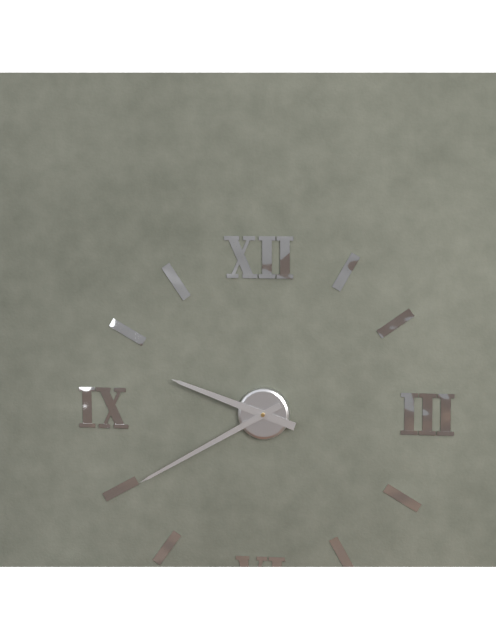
9:40
